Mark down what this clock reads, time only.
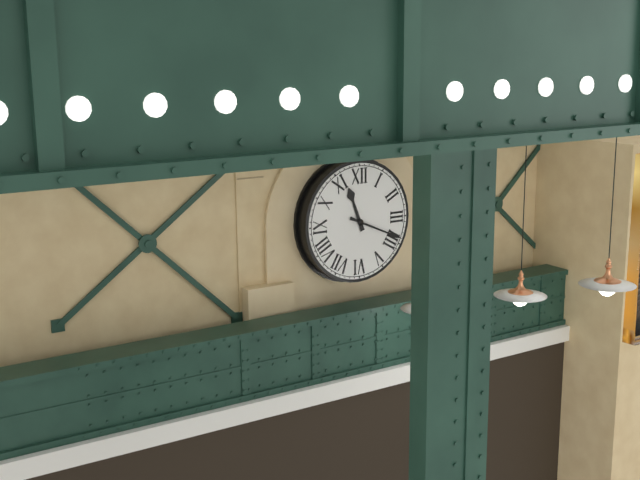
11:19
